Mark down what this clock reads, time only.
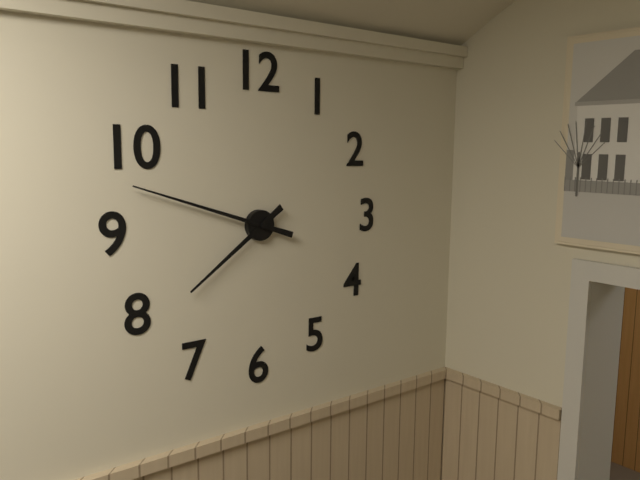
7:48
